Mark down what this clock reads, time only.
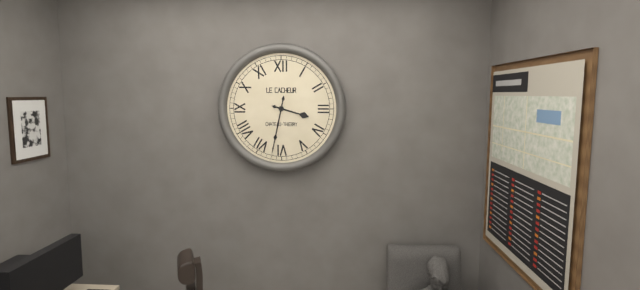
3:32
